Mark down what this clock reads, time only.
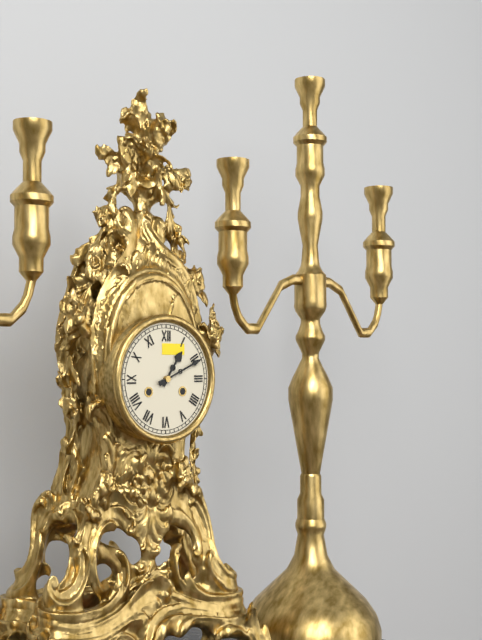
1:11
